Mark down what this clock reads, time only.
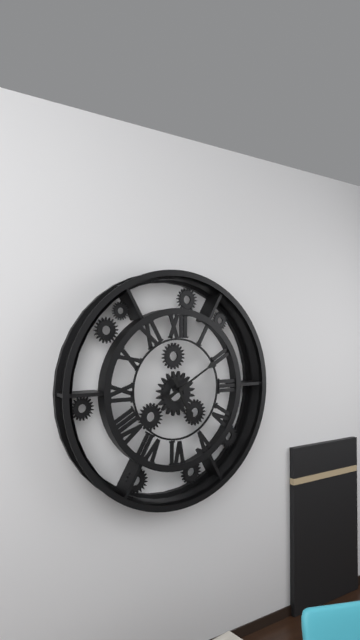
5:10
